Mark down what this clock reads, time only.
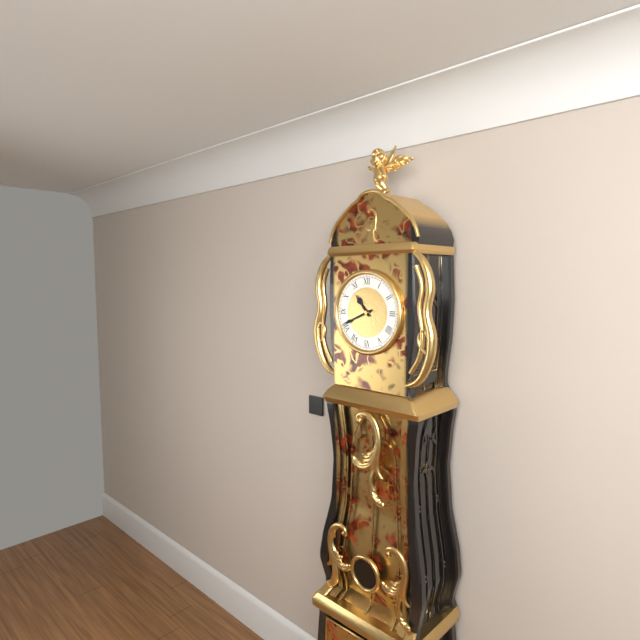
10:41
